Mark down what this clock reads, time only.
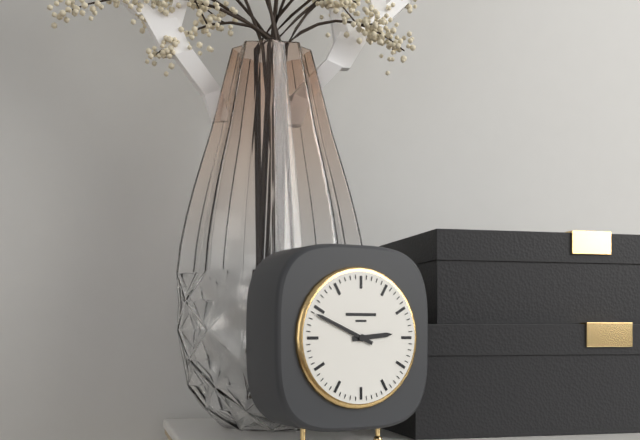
2:49
